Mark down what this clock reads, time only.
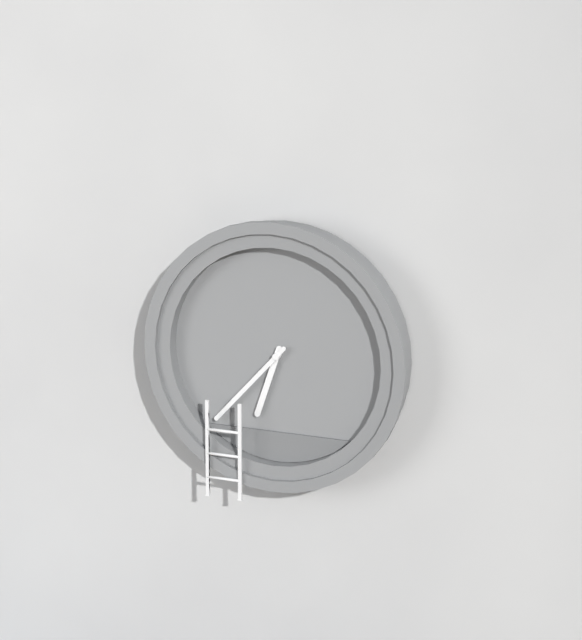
6:37
